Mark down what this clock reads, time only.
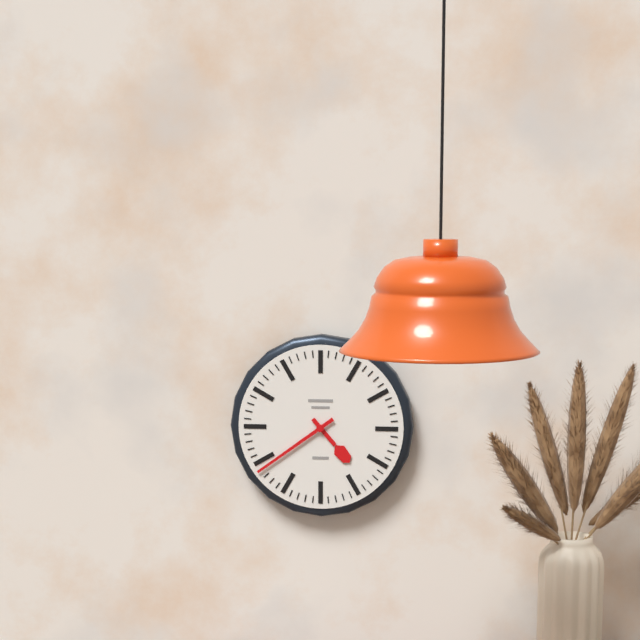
4:39
